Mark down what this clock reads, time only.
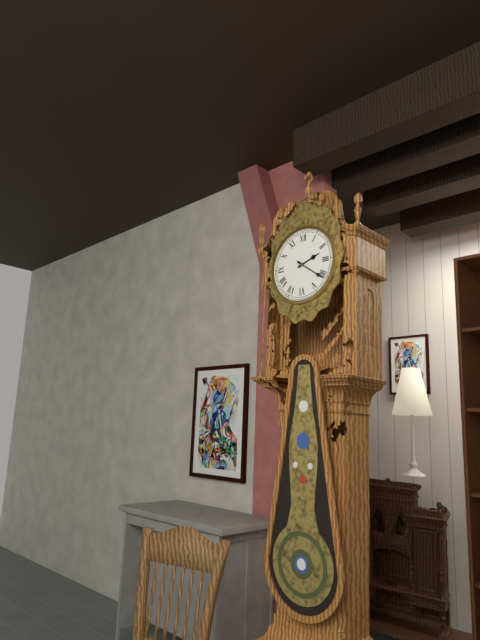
2:21
